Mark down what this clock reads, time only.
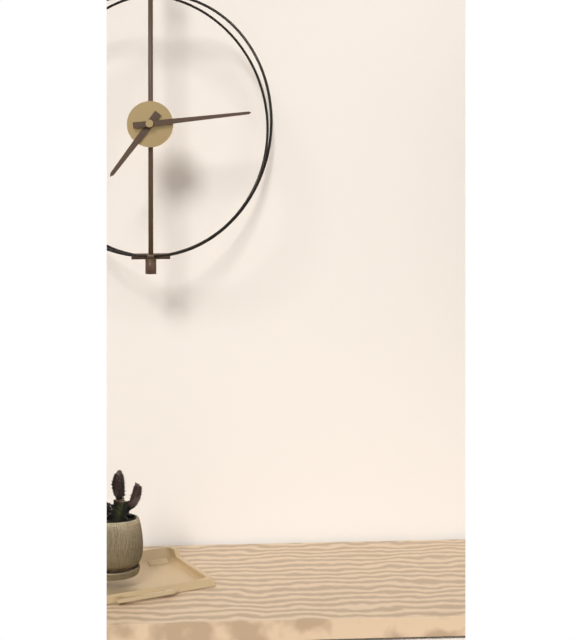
7:14
